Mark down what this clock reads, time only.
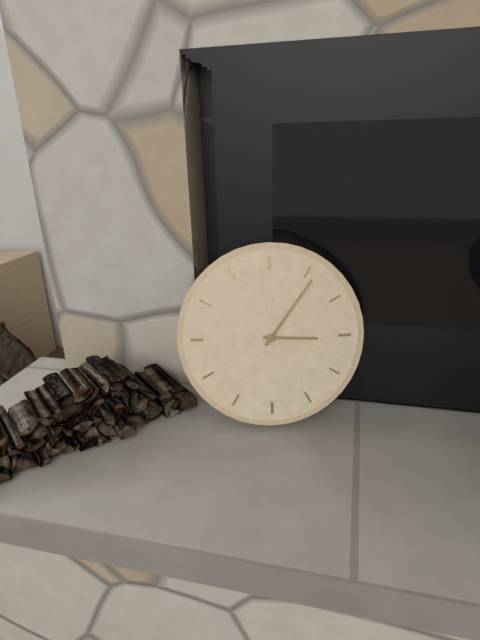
3:06
